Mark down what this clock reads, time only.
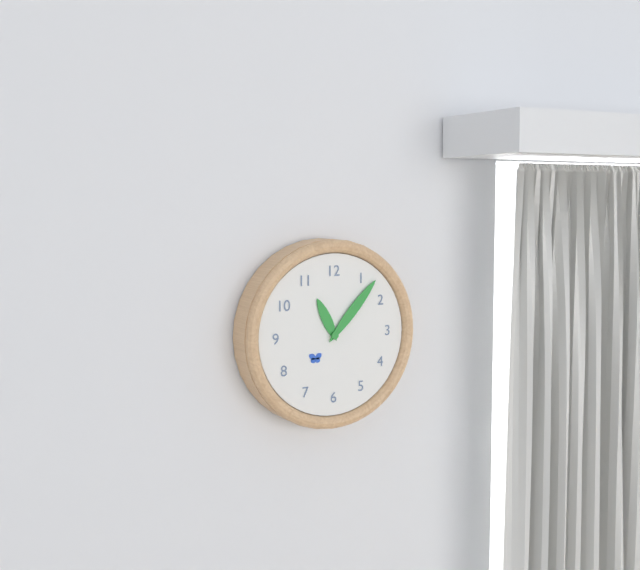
11:07
